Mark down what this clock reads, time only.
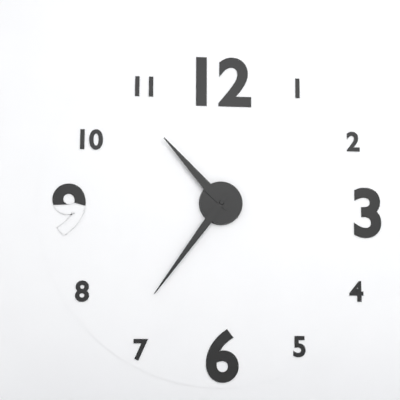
10:36
